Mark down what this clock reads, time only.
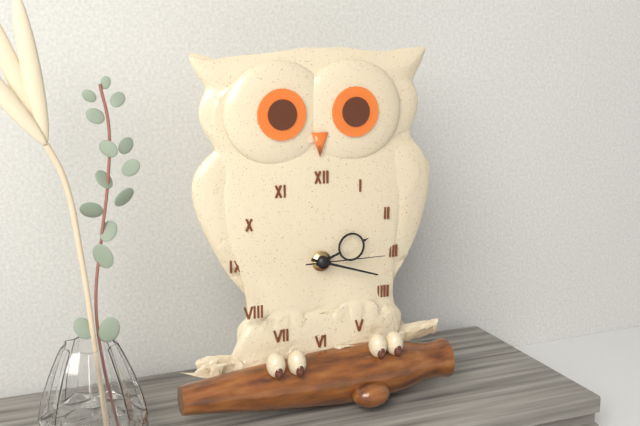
2:18:15
